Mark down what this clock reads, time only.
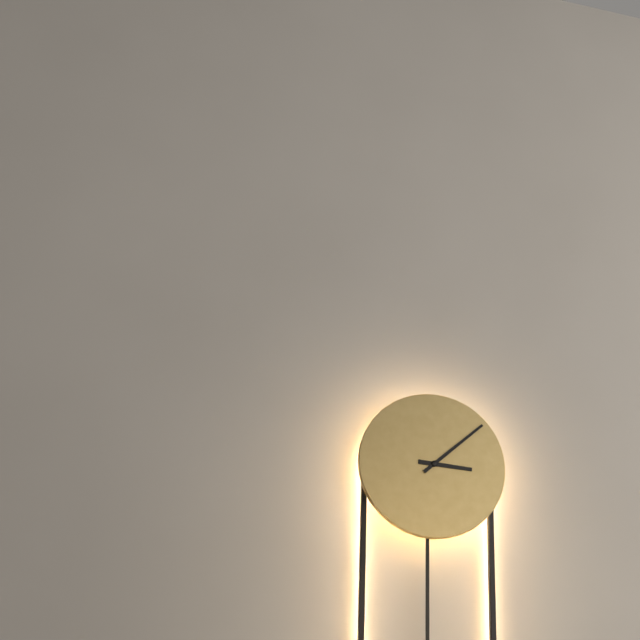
3:08
